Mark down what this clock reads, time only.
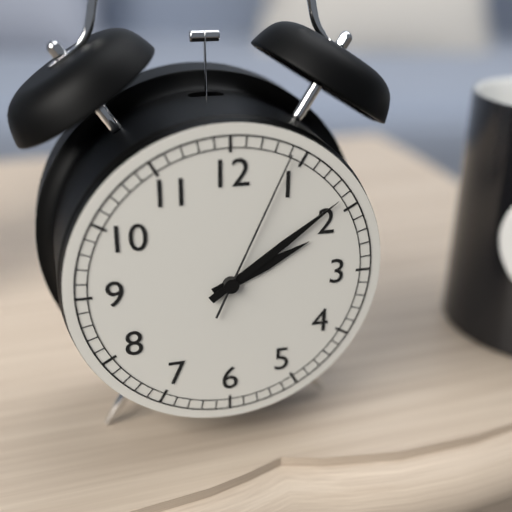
2:09:04
